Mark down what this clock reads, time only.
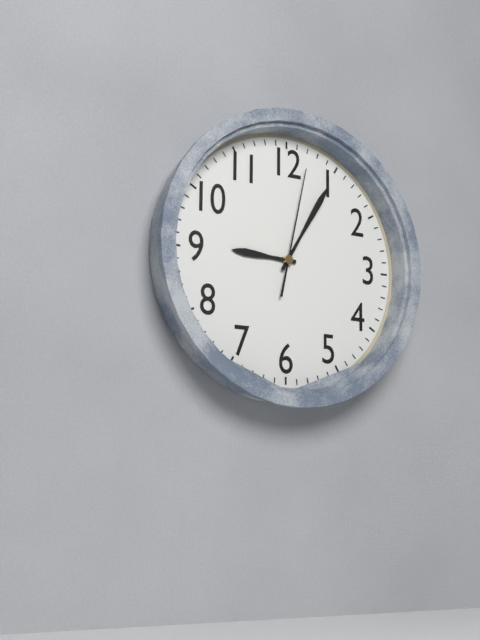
9:05:02
